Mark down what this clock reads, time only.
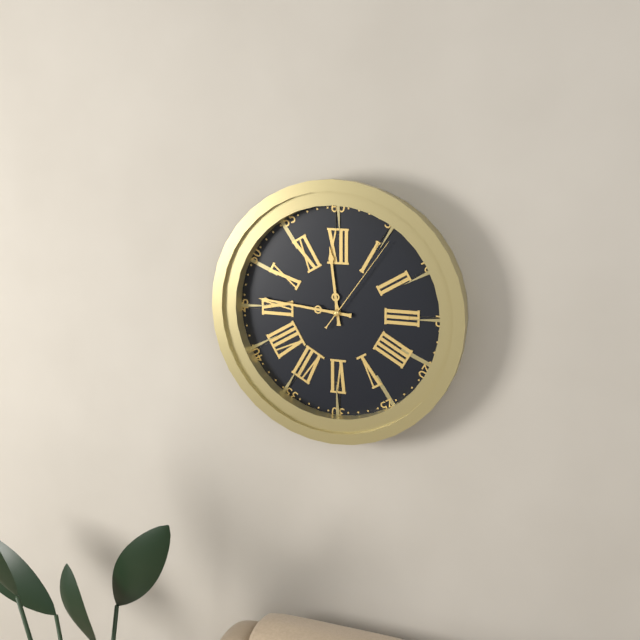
11:46:06
